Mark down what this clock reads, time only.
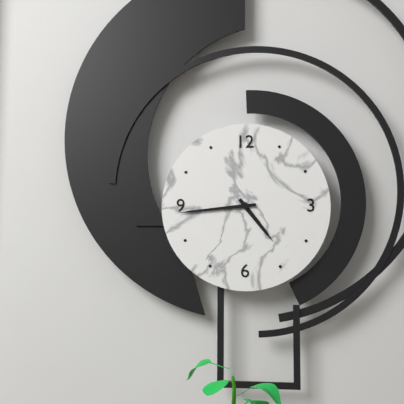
4:44
